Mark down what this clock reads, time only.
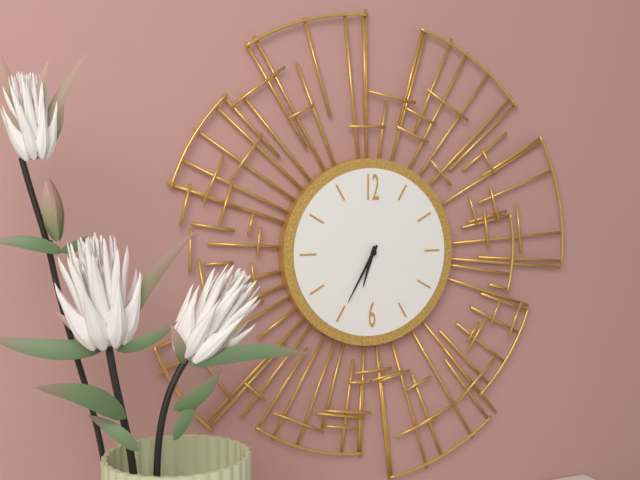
6:35
